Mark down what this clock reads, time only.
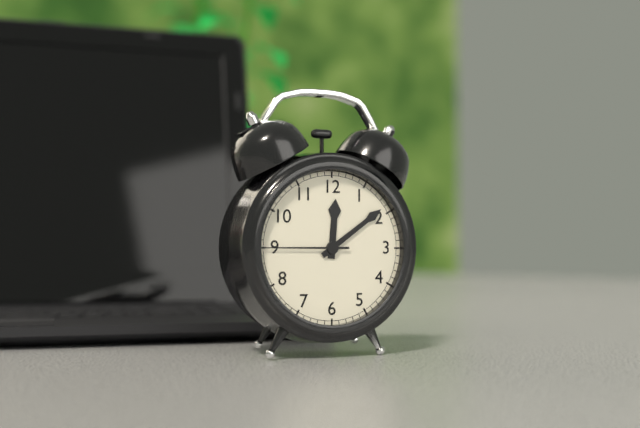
12:09:45
